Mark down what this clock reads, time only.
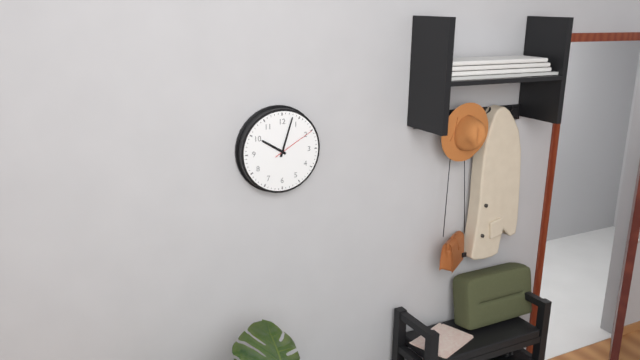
10:03
